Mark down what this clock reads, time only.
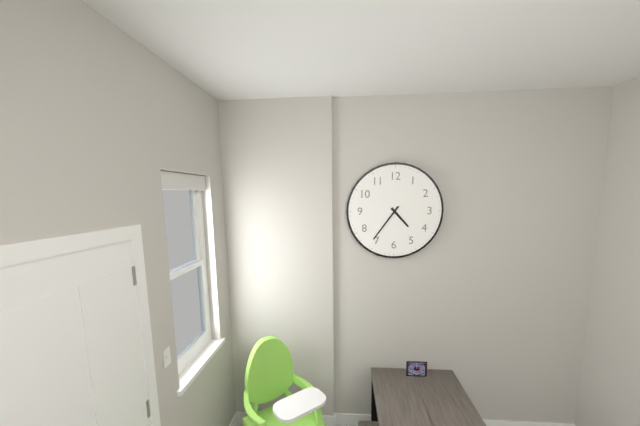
4:36
